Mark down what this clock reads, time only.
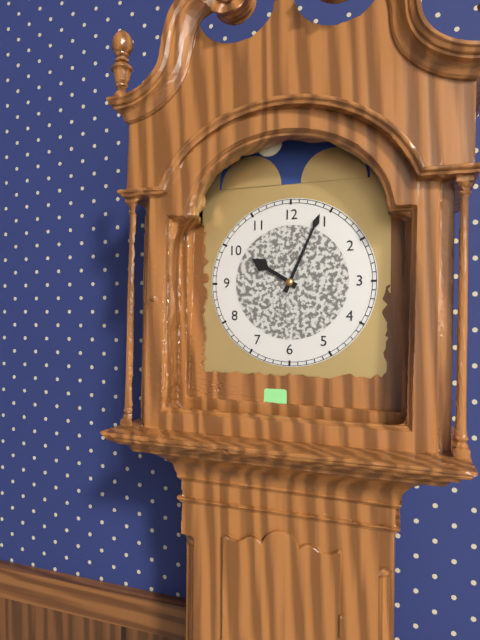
10:04
